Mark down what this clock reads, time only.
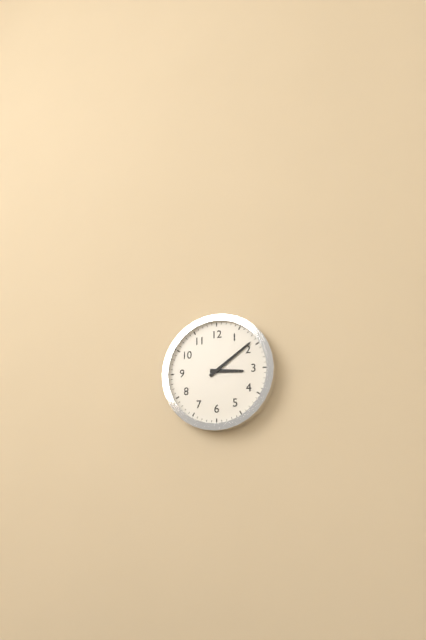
3:09
